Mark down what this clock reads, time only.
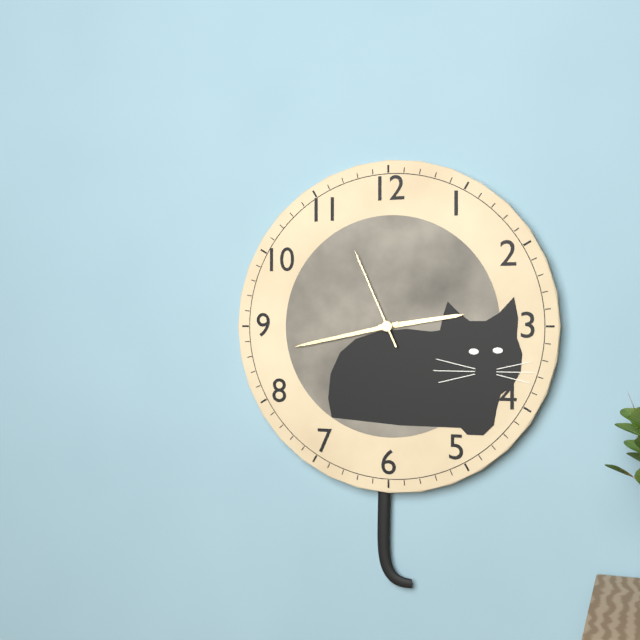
2:43:56
